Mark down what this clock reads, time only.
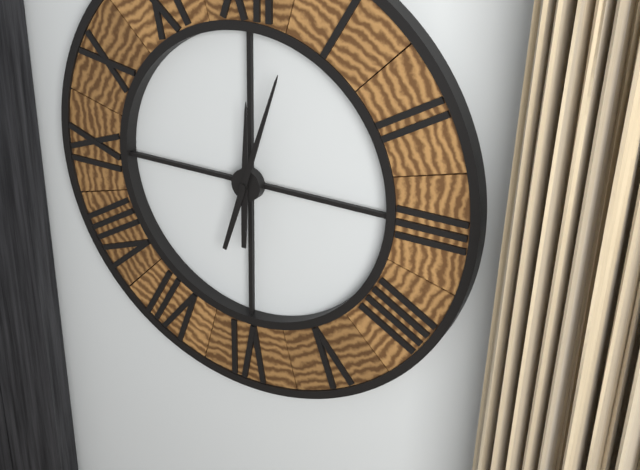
12:03
